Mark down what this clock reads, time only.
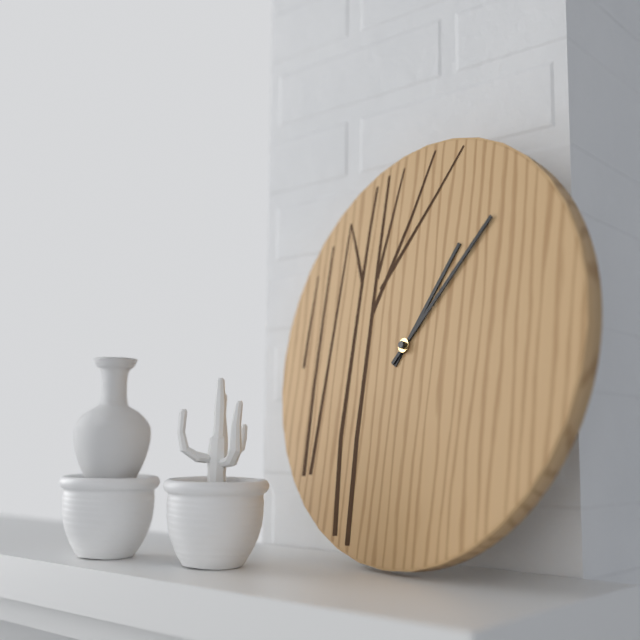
1:07
